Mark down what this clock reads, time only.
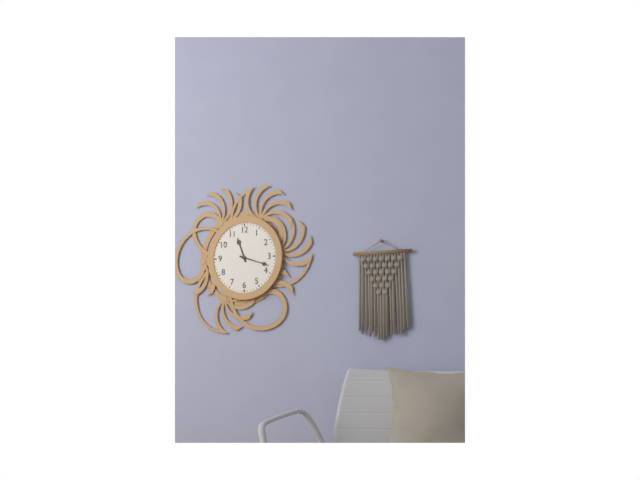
11:18
